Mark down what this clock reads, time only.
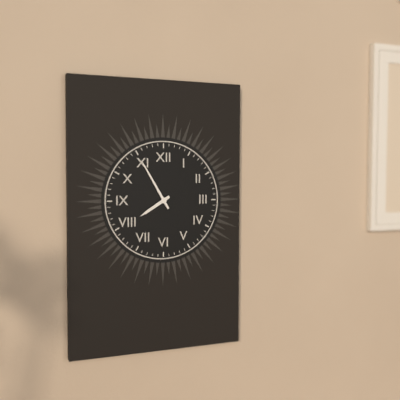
7:55
